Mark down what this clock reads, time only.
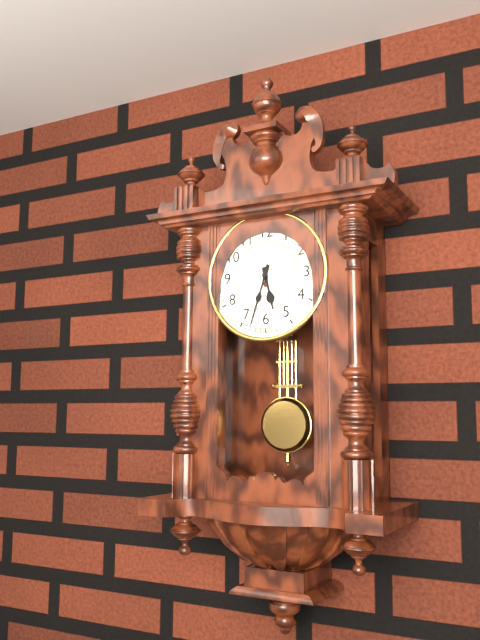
5:33
